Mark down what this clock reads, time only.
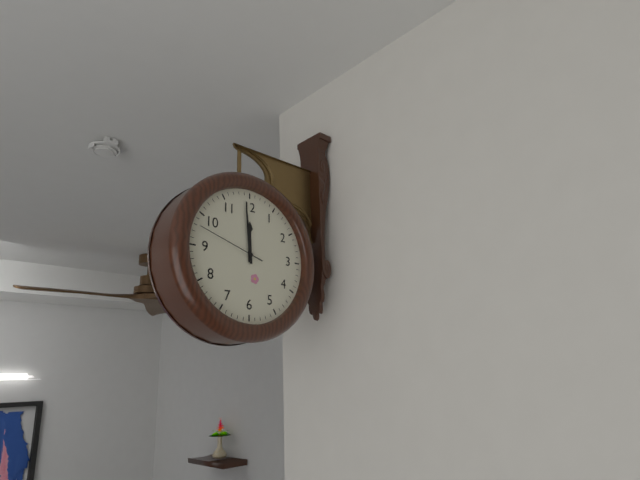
11:59:48
